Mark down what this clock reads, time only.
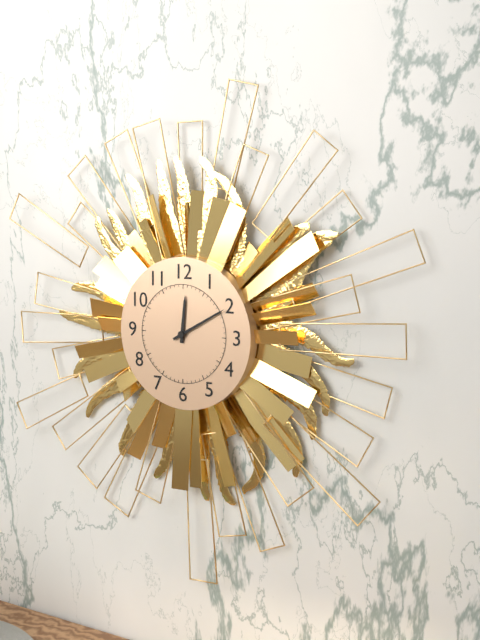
12:10
